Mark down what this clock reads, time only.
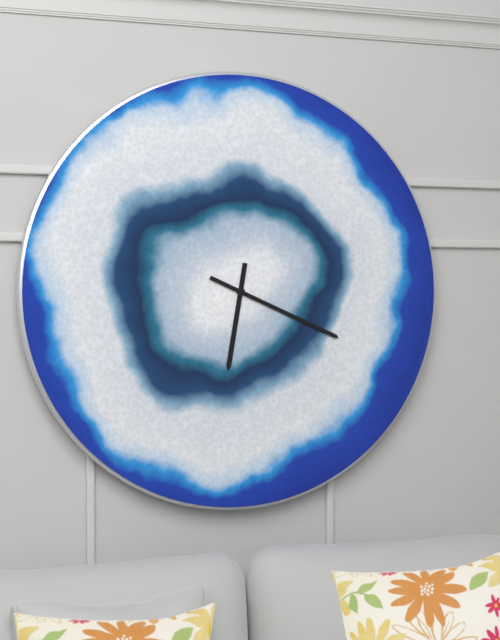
6:19
